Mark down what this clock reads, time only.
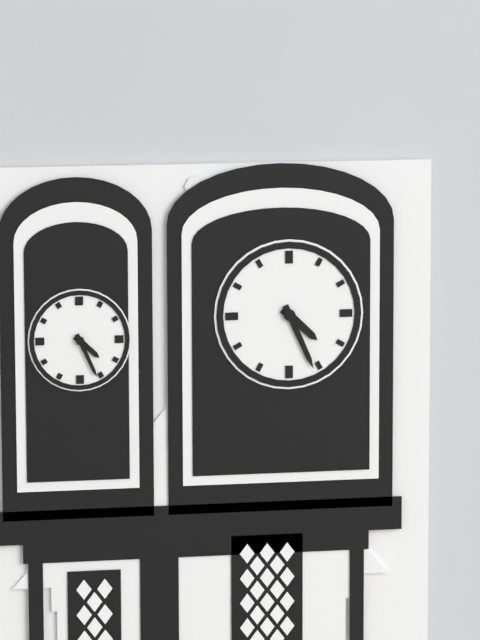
4:26
